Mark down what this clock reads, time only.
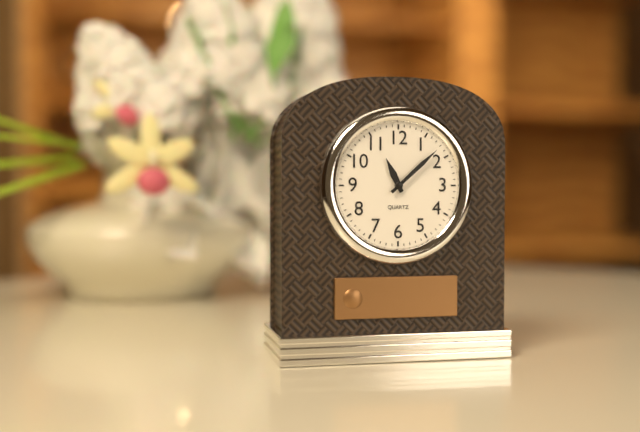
11:08
